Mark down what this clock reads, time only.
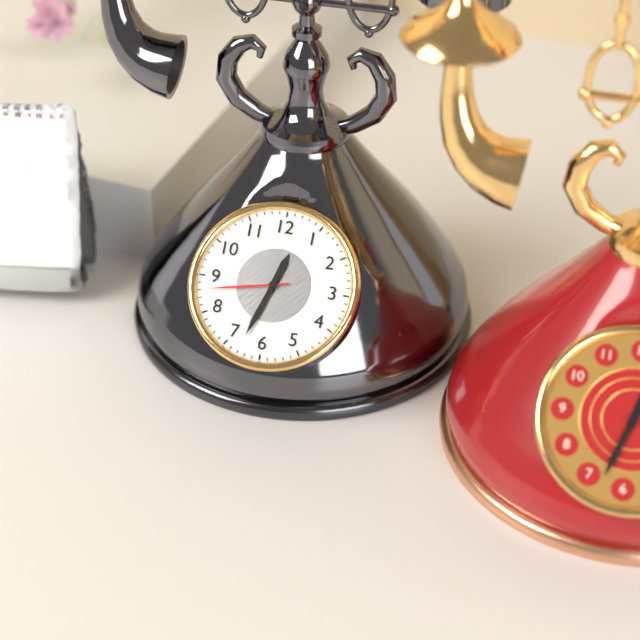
12:33:43
